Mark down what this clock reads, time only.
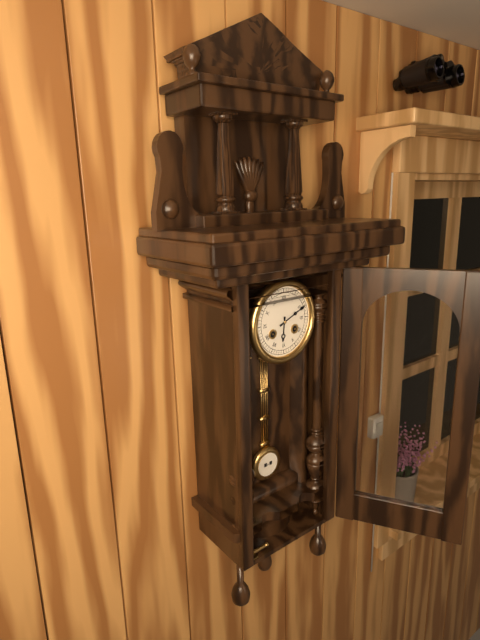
6:11
